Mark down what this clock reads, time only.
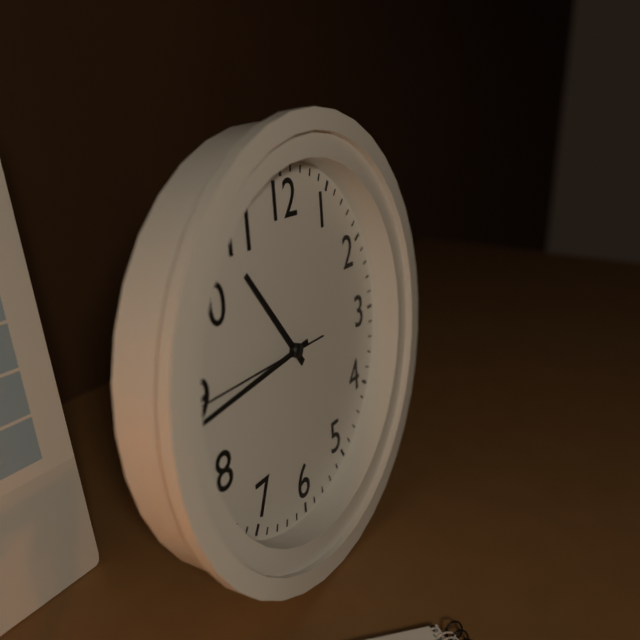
10:44:45
